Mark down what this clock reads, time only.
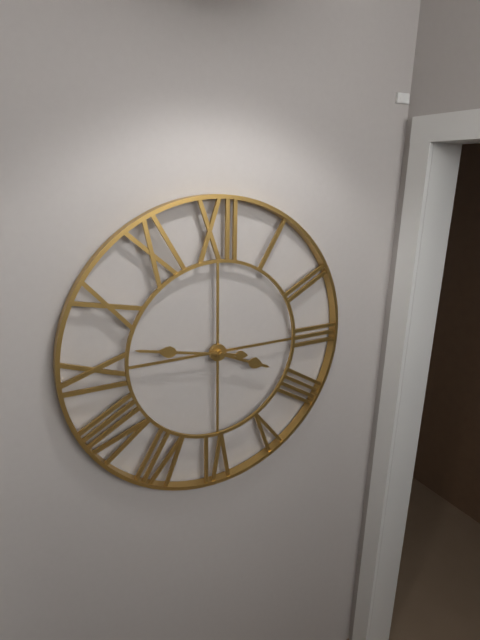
3:47
